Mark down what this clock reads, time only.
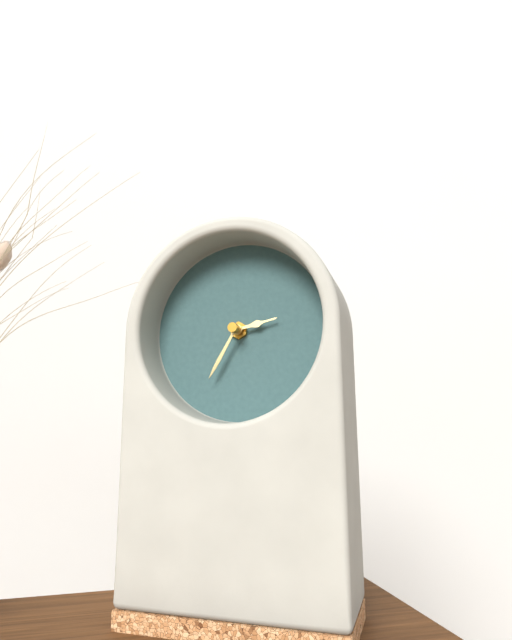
2:35
